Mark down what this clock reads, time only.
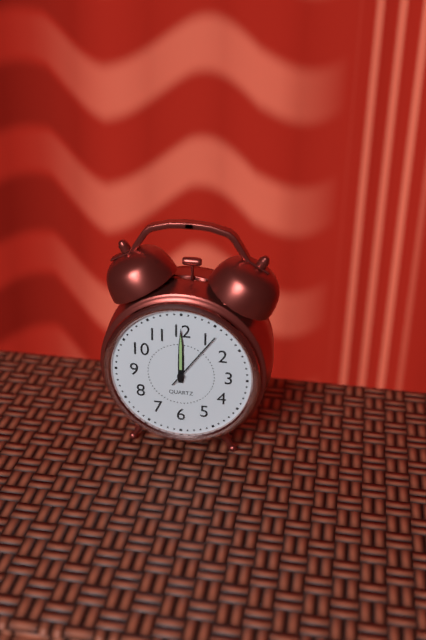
12:00:06
